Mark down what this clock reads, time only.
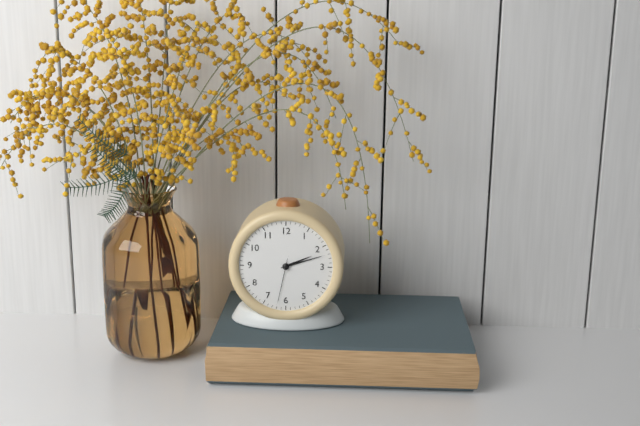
2:12
